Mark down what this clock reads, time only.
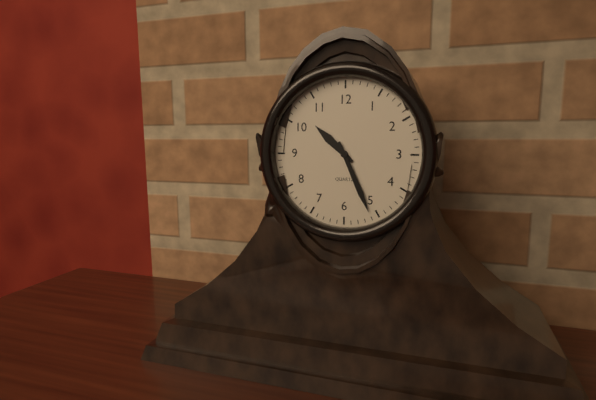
10:26
